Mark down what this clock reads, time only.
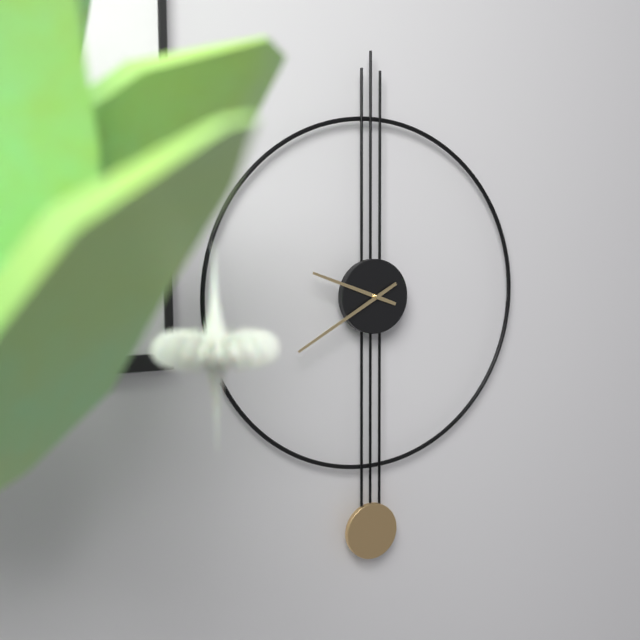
9:40
